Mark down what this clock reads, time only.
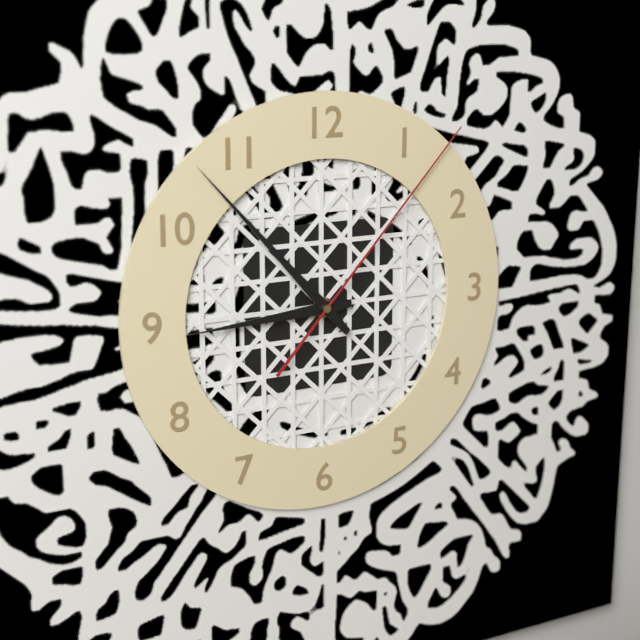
8:53:07
